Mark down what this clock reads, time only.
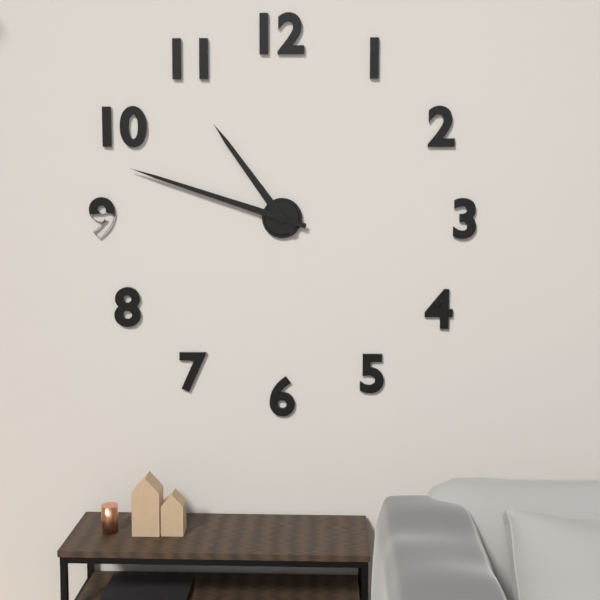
10:48
